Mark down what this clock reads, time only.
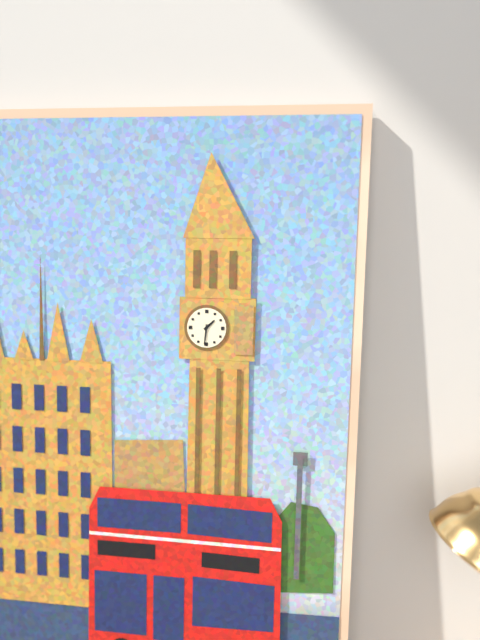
1:31
